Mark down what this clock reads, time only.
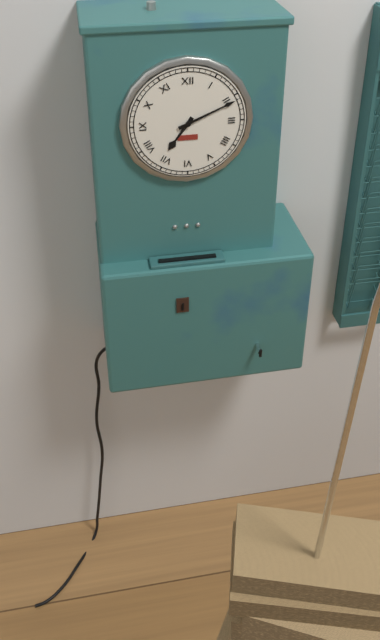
7:11
